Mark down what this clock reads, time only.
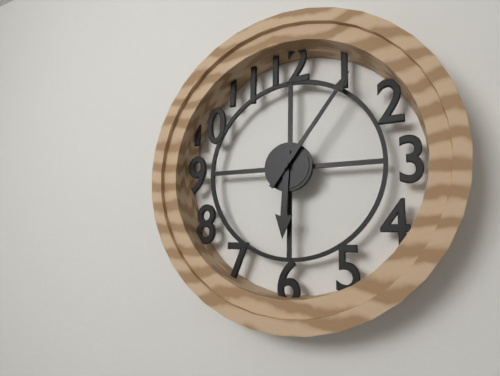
6:06
